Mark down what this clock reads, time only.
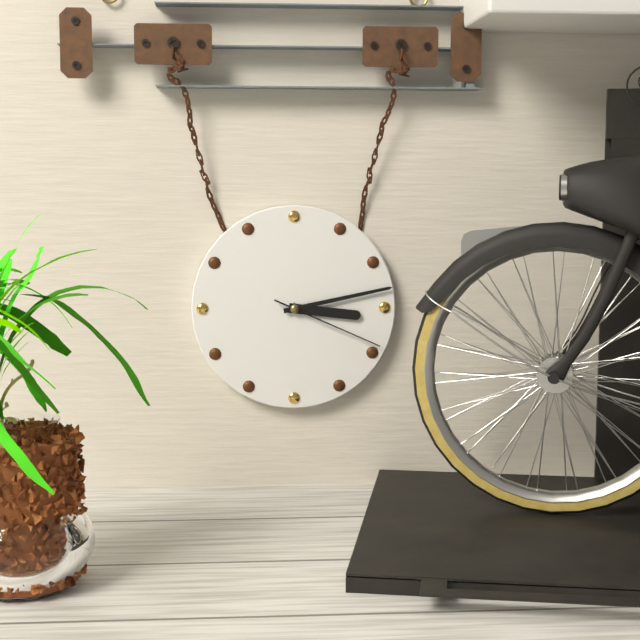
3:13:19
